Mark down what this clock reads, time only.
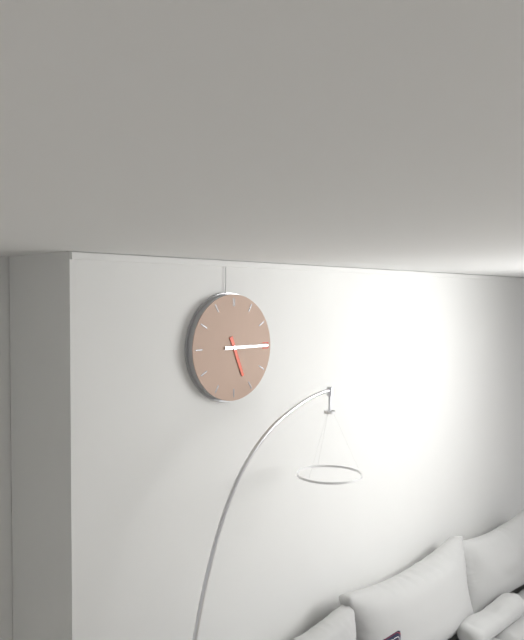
5:15
